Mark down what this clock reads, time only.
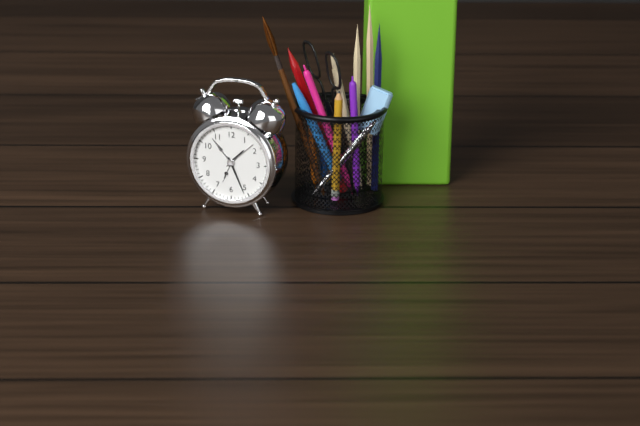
1:26
